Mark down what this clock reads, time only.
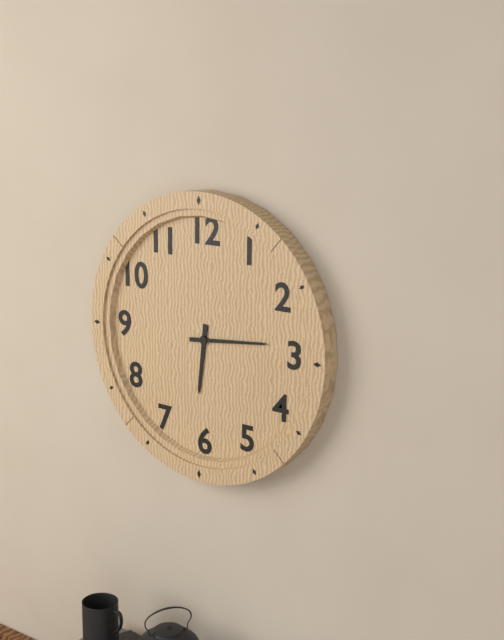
6:14
